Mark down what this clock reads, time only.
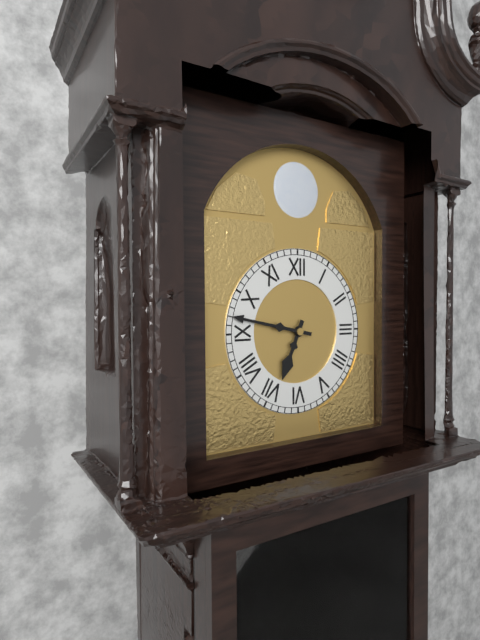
6:47
